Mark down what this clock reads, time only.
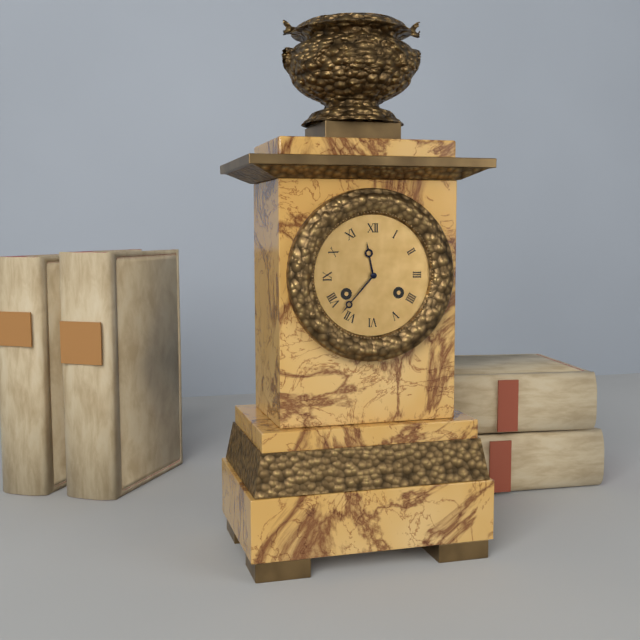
11:37
